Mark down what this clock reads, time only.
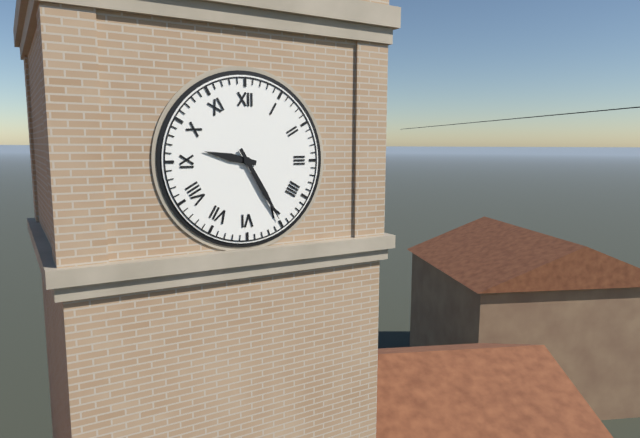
9:25
